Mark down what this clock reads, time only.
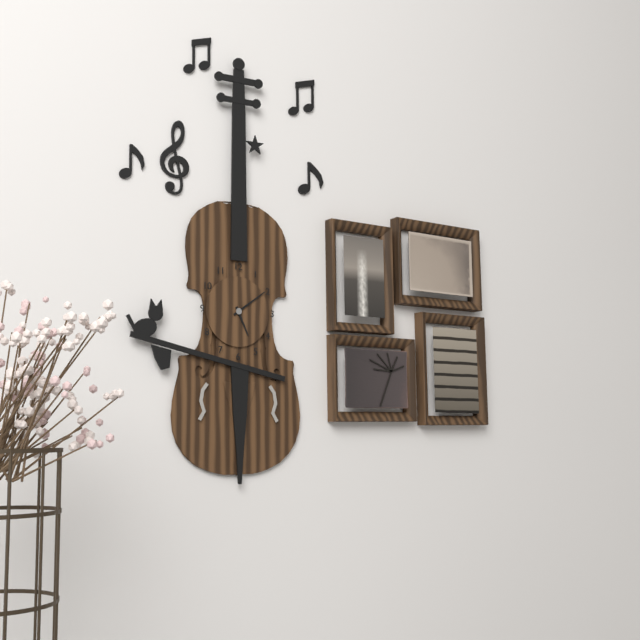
5:09
